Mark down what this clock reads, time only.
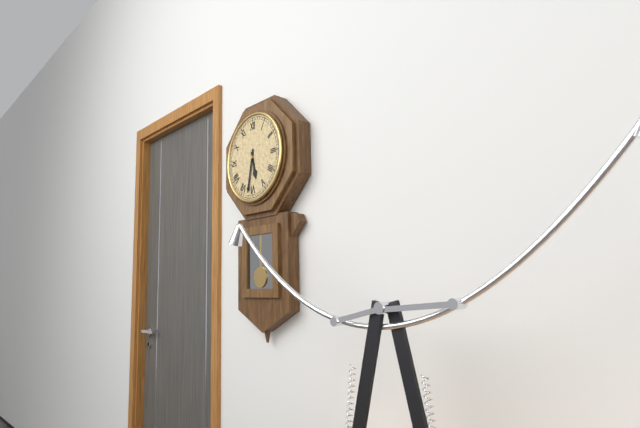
5:32
